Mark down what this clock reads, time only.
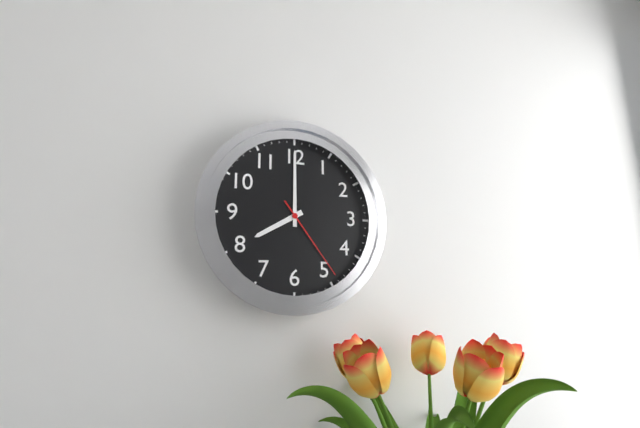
8:00:24
